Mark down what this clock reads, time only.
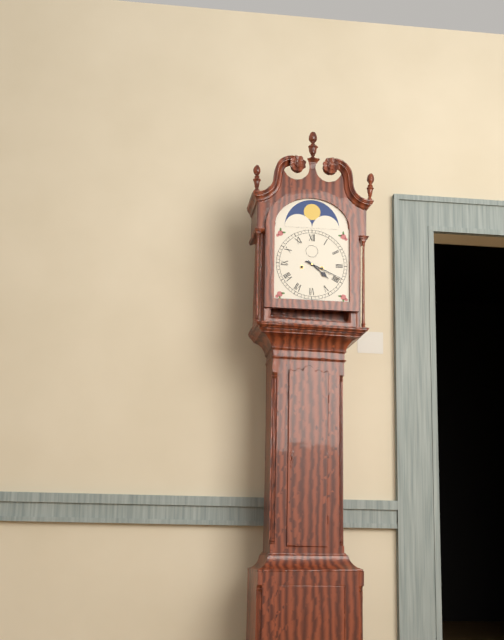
4:19
